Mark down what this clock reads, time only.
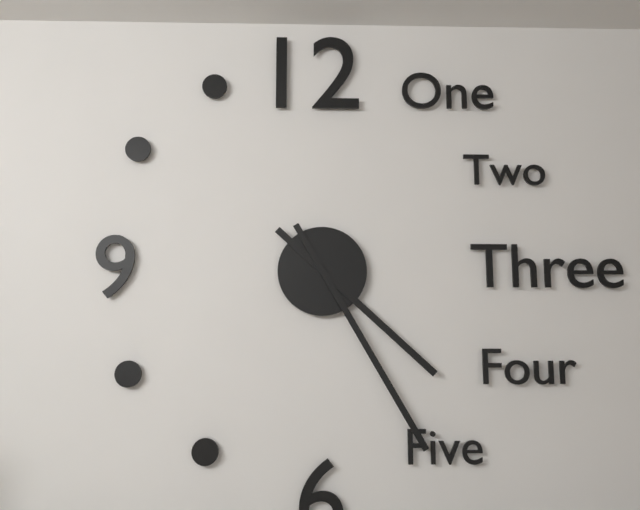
4:25
